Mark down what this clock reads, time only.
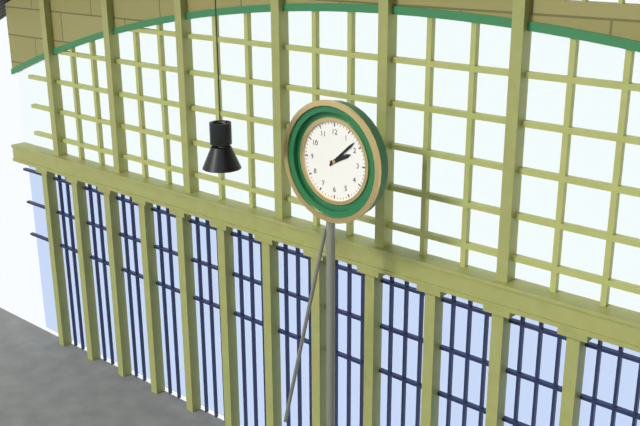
2:08
